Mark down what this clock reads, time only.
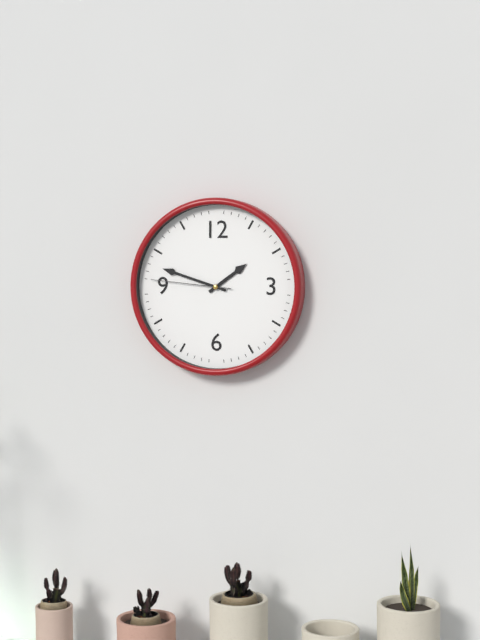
1:48:46
